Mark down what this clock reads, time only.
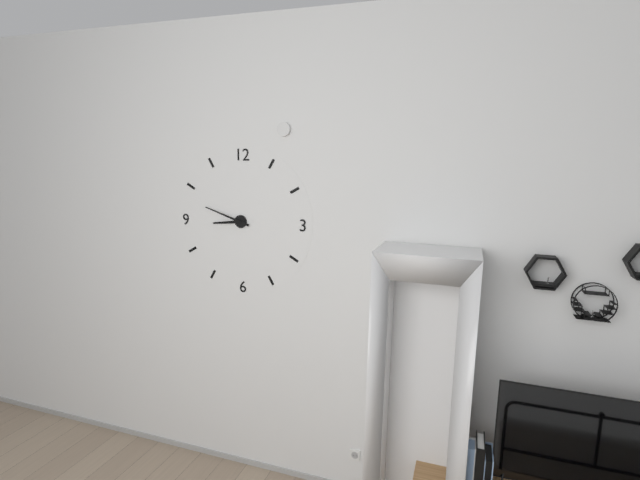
8:48
